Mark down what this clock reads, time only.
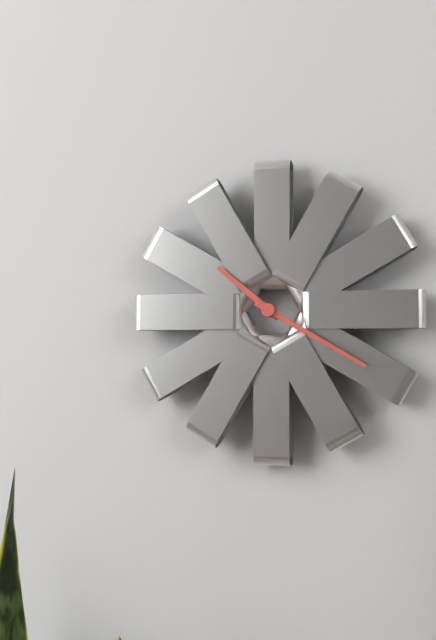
10:20
